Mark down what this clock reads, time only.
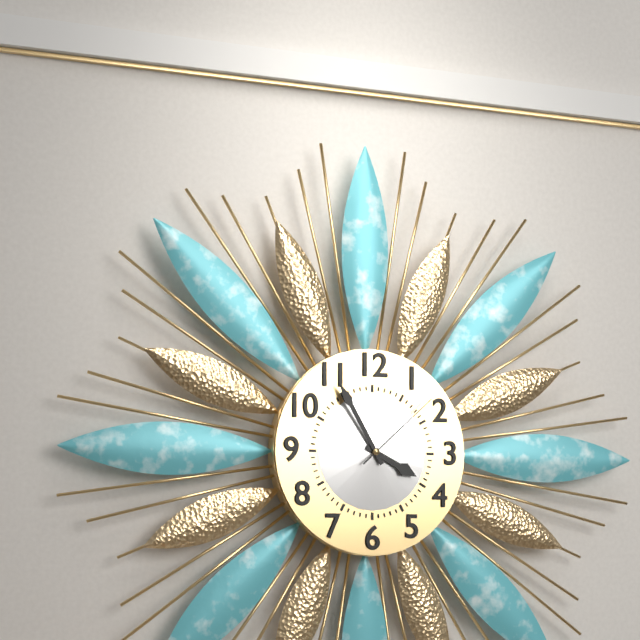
3:55:08
